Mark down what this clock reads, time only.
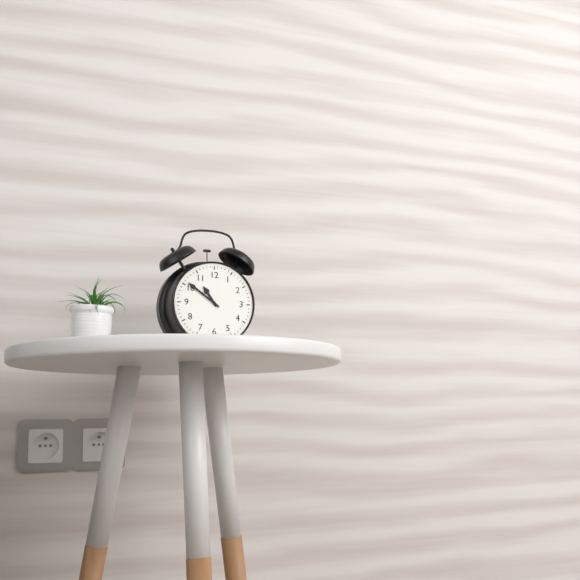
10:51
